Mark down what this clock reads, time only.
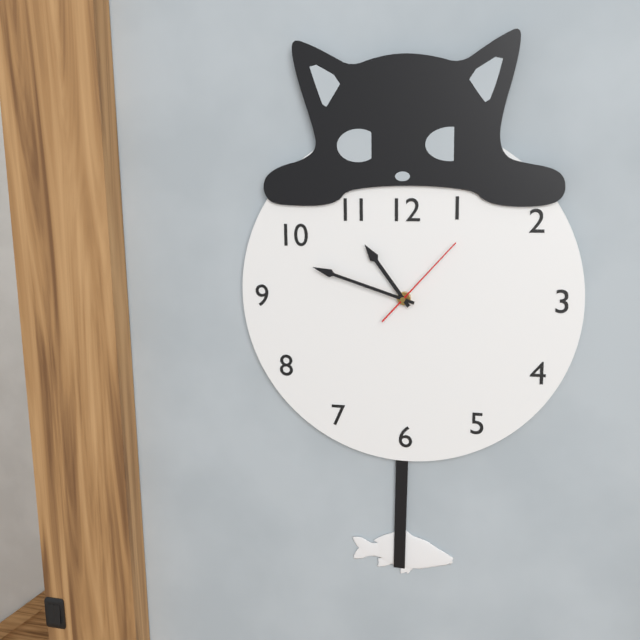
10:48:07
